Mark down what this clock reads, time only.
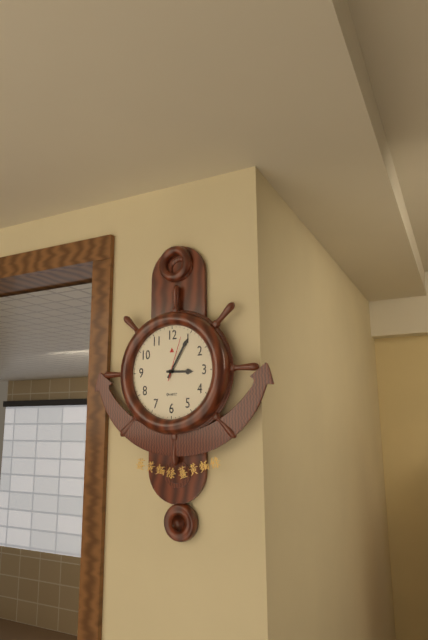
3:05
